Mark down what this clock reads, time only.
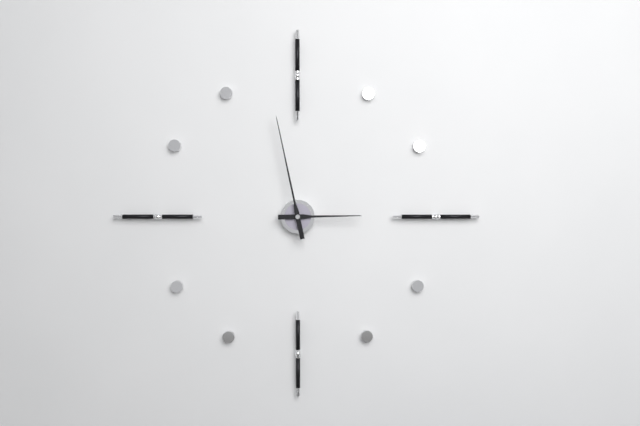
2:58
